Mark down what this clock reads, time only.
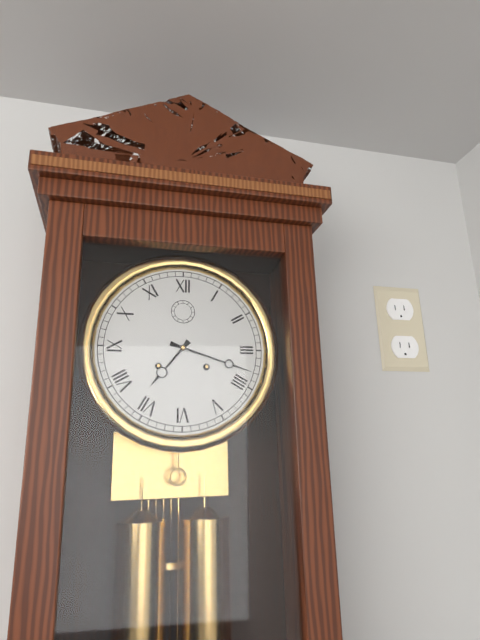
7:18
